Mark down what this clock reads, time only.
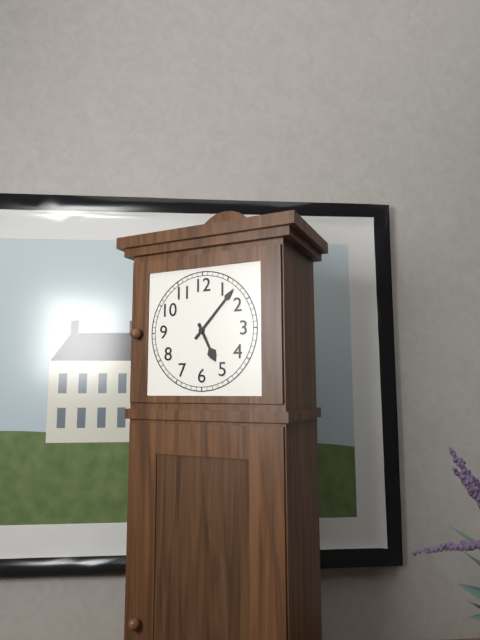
5:07
